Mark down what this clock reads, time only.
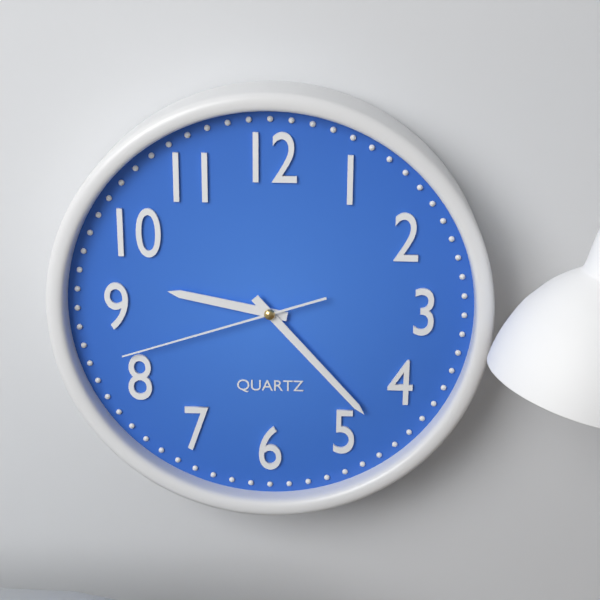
9:23:42
